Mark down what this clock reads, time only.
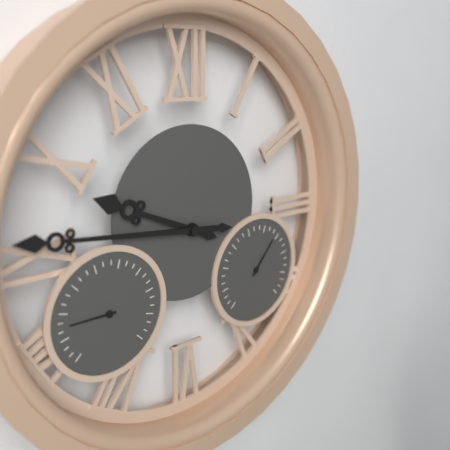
9:46
